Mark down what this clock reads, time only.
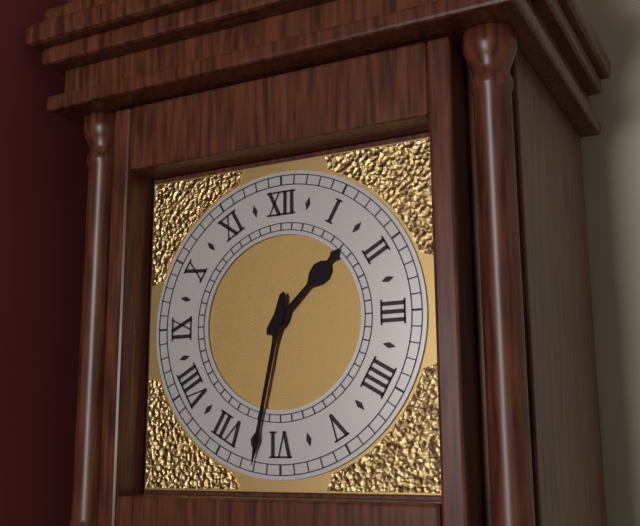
1:32
